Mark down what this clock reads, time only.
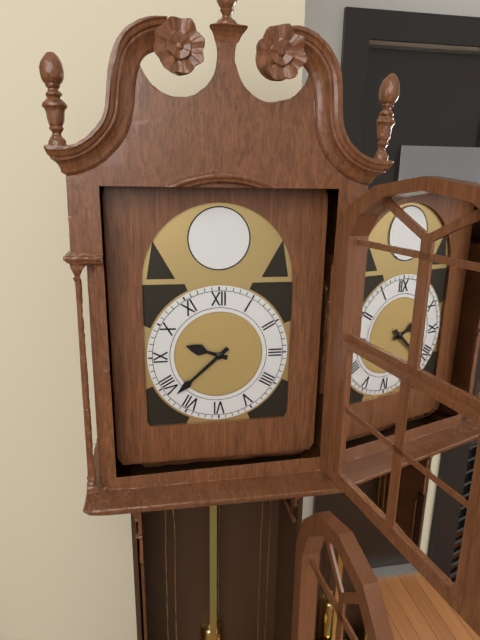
9:38
